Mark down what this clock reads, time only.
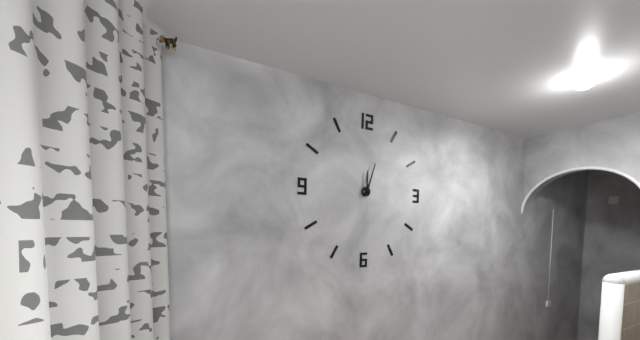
12:03
